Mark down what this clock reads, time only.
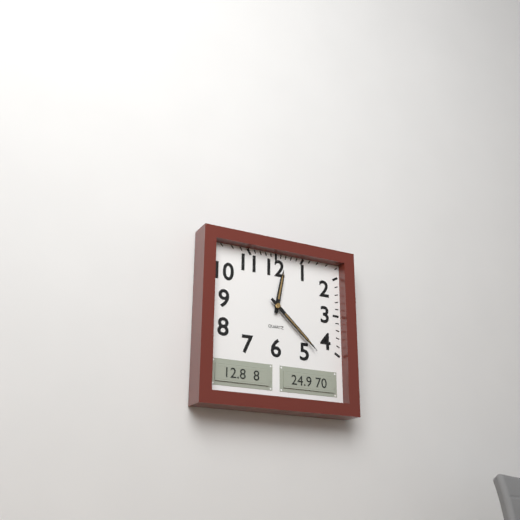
12:22
